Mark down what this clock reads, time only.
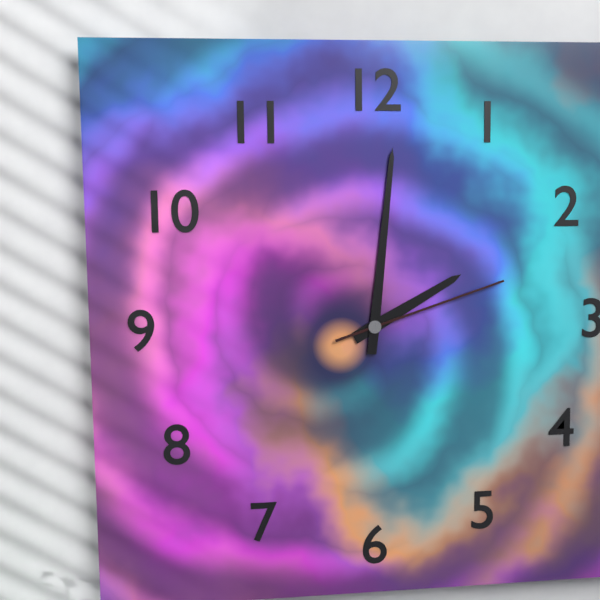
2:01:12
